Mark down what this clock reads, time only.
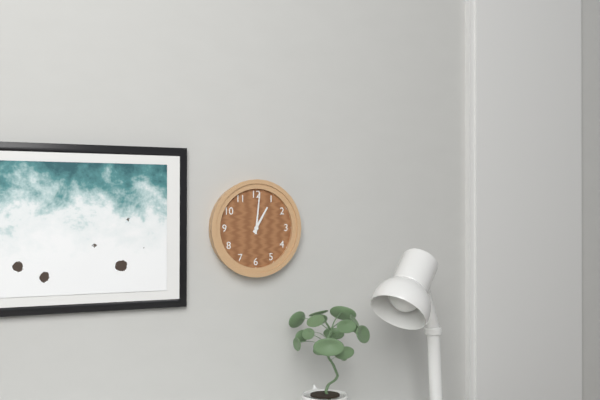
1:01
